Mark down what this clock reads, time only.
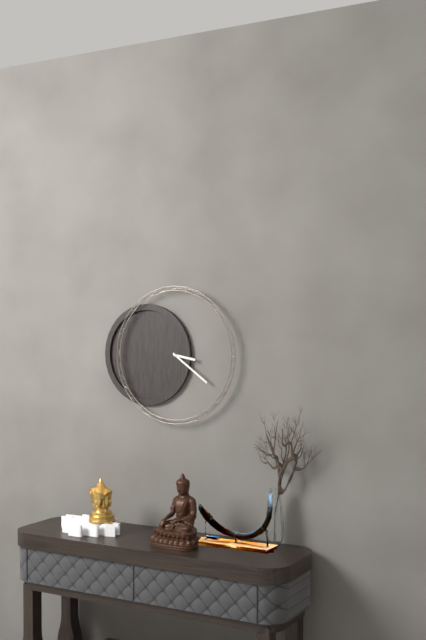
3:21
